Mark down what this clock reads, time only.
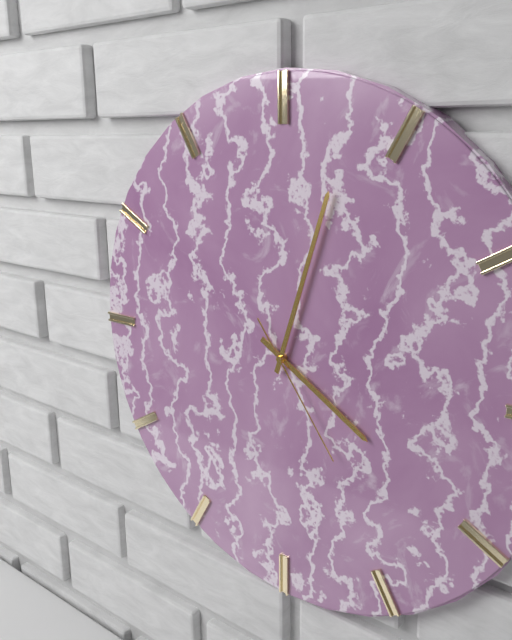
4:03:24
